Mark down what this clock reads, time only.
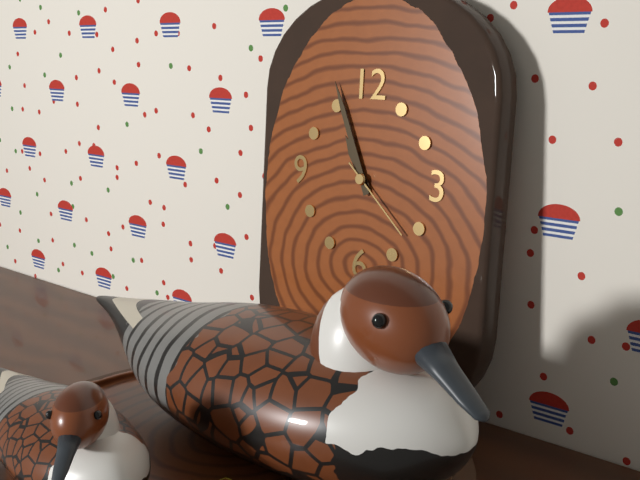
10:56:22
